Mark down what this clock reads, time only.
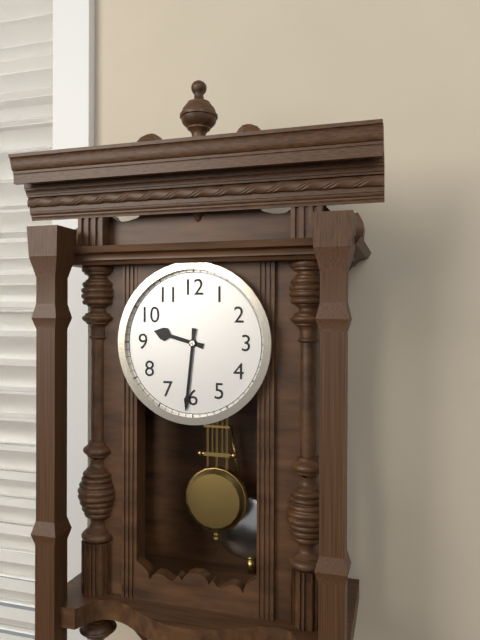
9:31
